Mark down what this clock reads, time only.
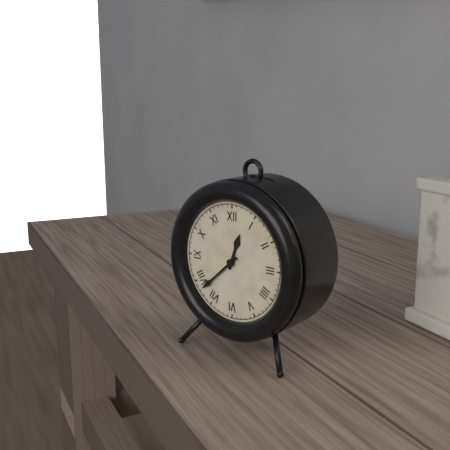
12:38
